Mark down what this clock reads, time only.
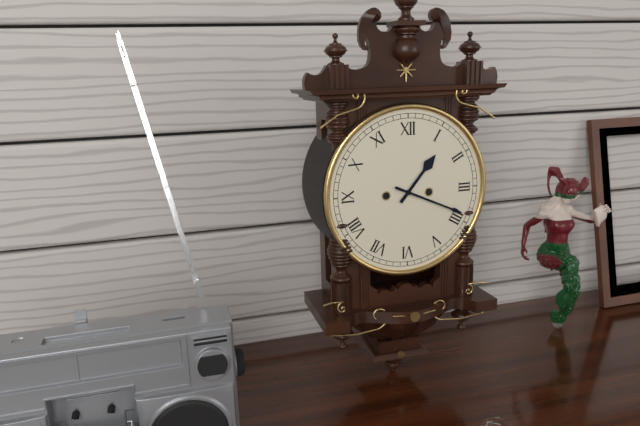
1:19
